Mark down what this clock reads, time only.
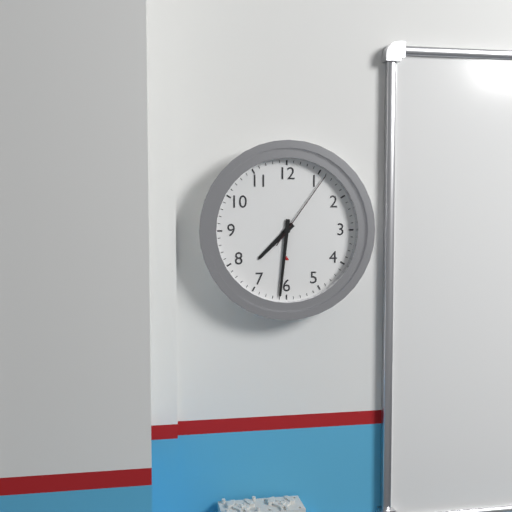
7:31:06
